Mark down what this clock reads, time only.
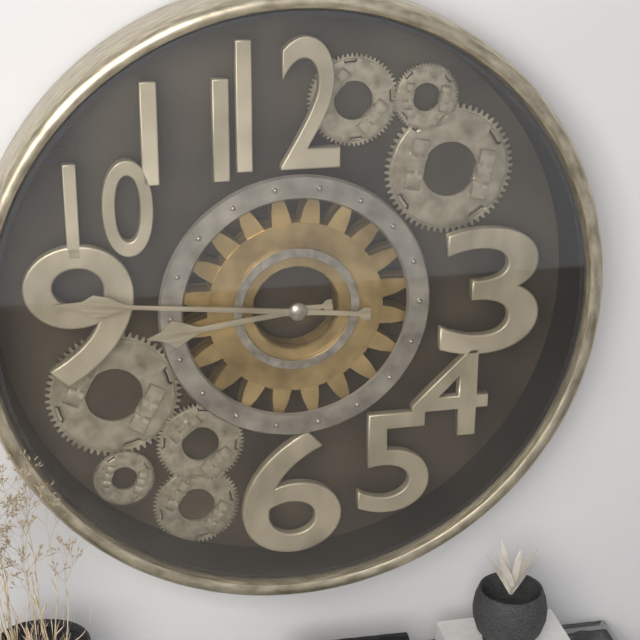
8:46
